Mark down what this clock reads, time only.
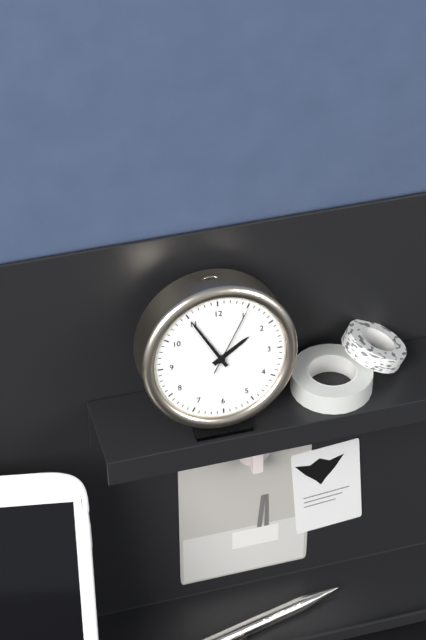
1:55:05
